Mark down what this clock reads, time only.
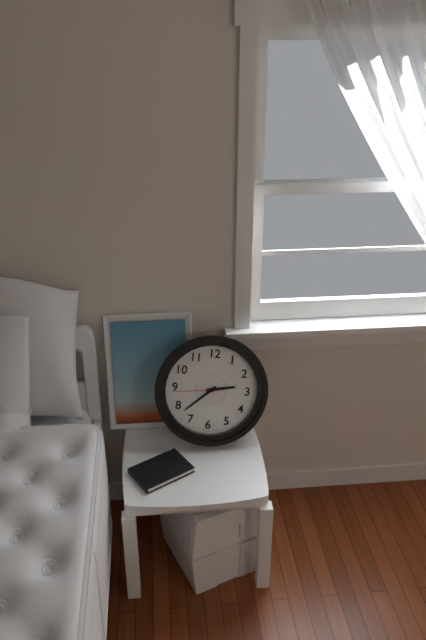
2:38
